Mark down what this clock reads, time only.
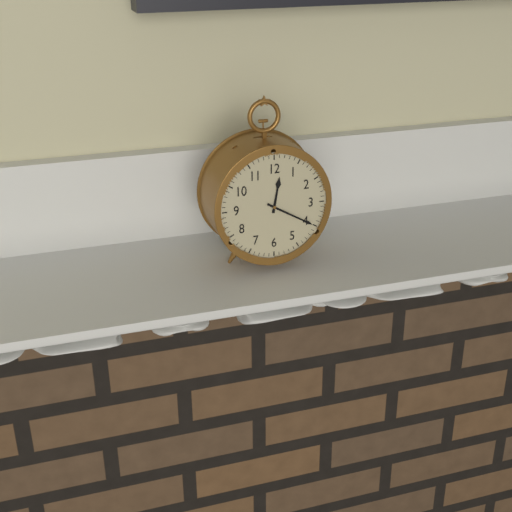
12:20
